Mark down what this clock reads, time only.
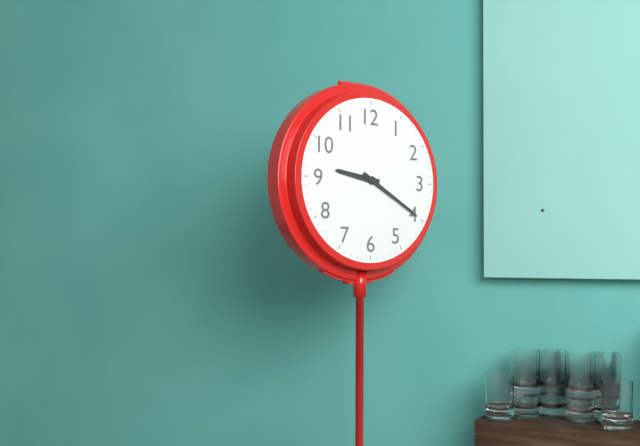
9:20
